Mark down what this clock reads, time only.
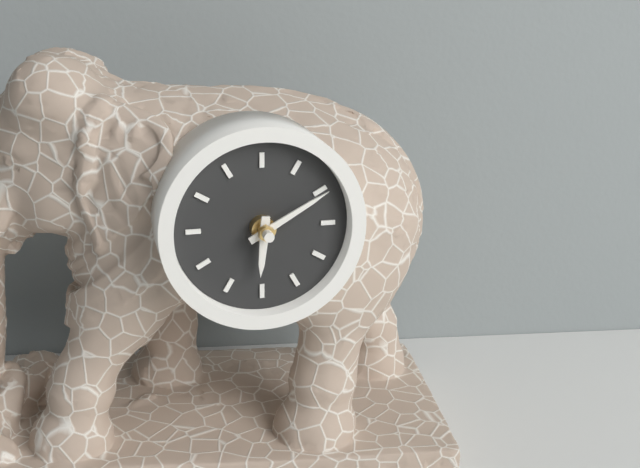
6:10
